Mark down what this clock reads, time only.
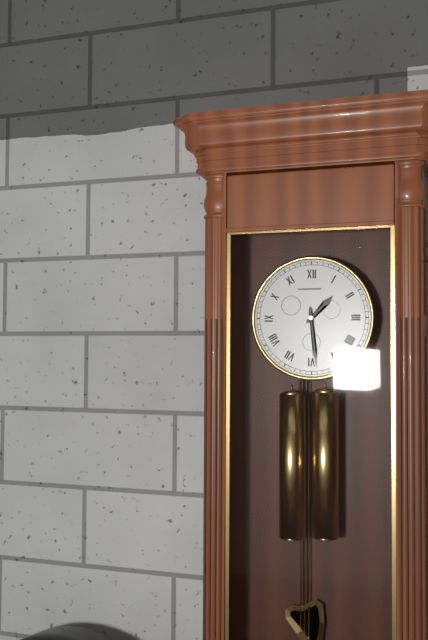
1:29
